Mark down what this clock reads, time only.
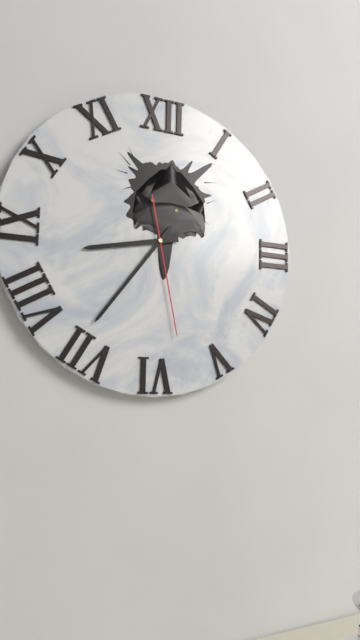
8:36:28
